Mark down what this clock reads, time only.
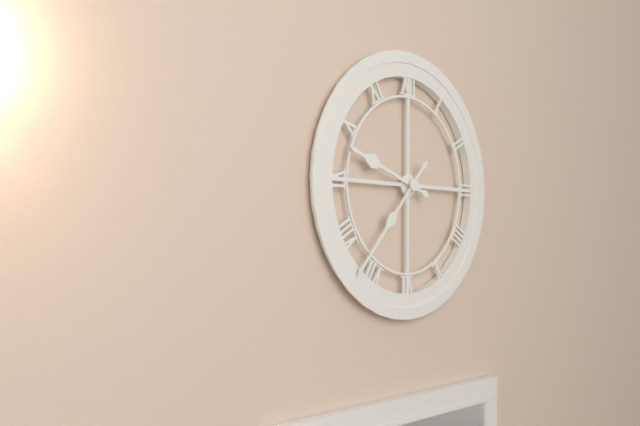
9:37
